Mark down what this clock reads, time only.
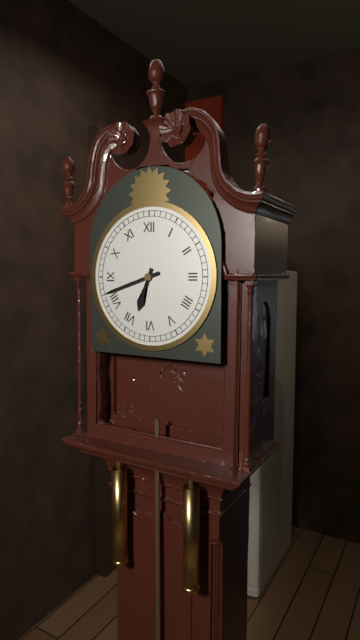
6:42
